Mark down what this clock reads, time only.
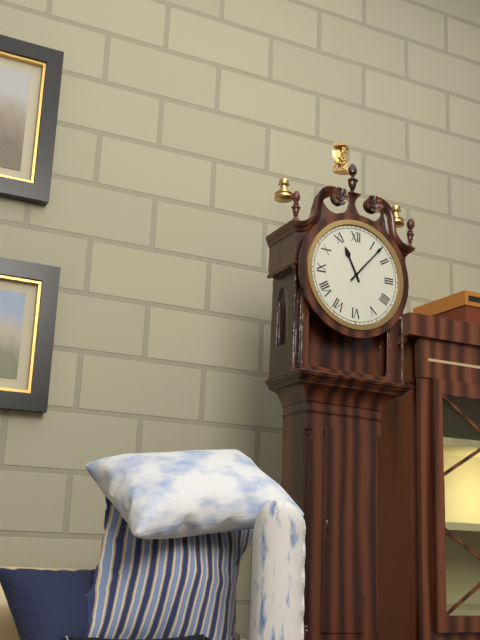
11:07
